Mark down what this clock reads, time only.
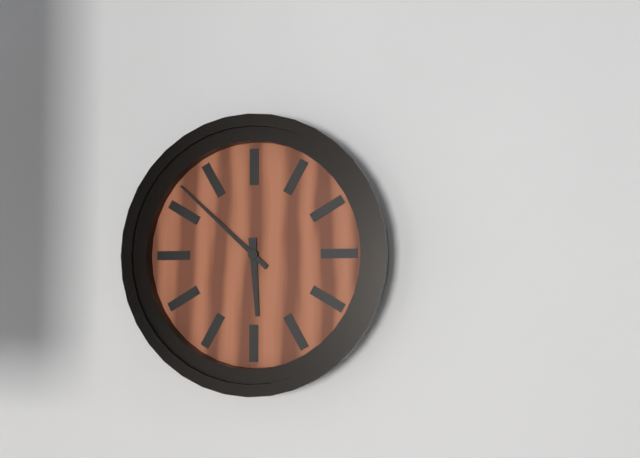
5:52
